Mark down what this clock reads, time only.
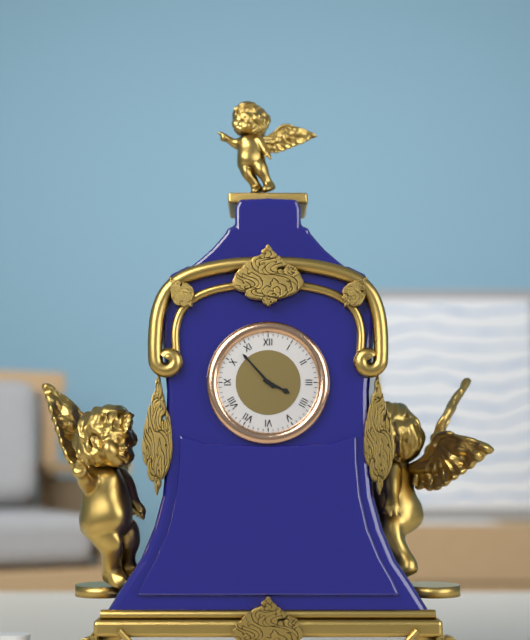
3:53
